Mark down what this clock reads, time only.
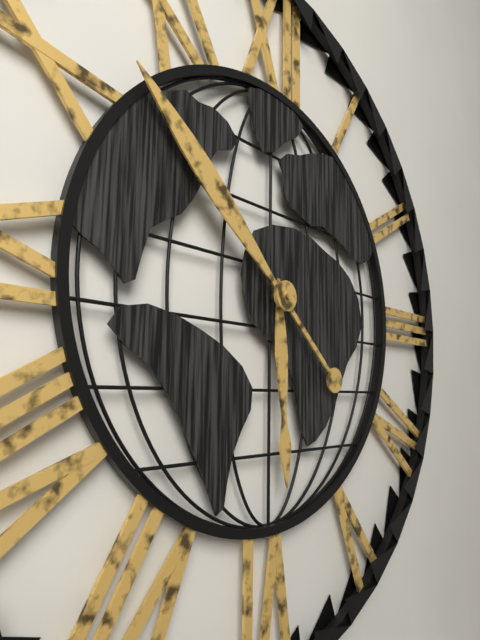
5:52
